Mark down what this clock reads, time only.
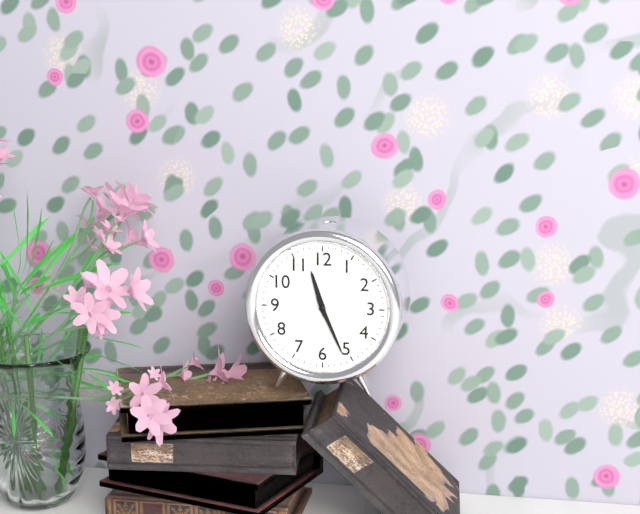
11:26
